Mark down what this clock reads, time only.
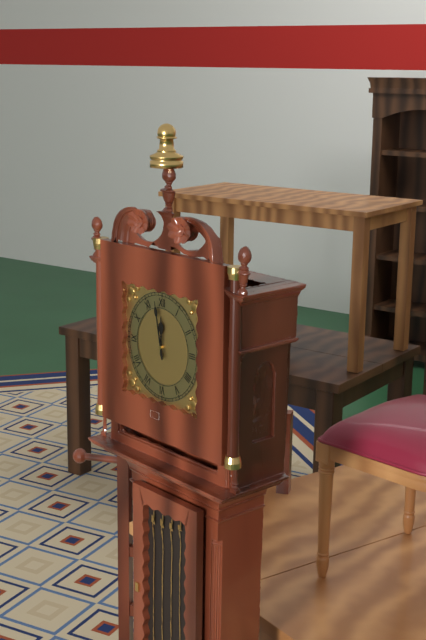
11:58
